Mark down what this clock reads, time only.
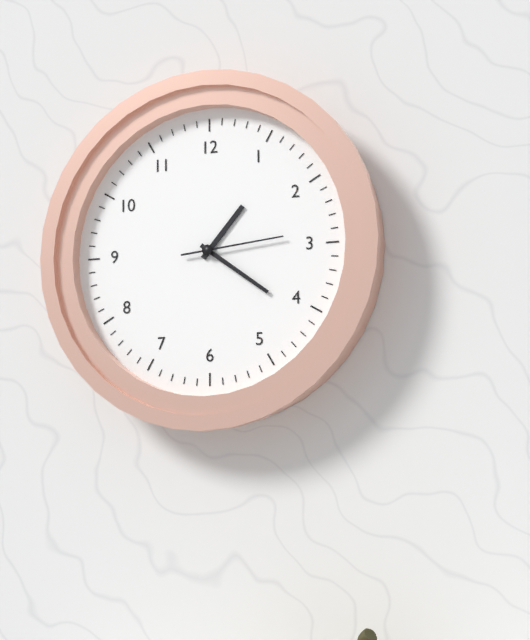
1:21:14
